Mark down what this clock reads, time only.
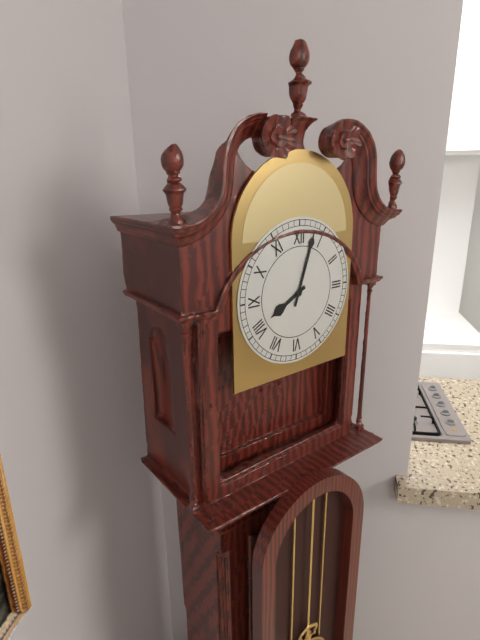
8:03
